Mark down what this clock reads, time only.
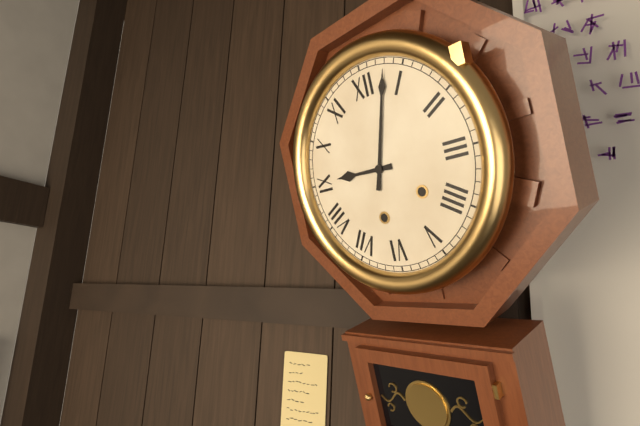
9:03
